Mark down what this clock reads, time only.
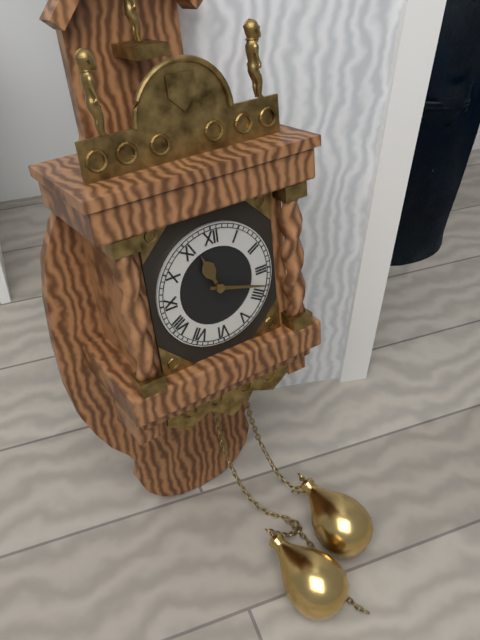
11:18
